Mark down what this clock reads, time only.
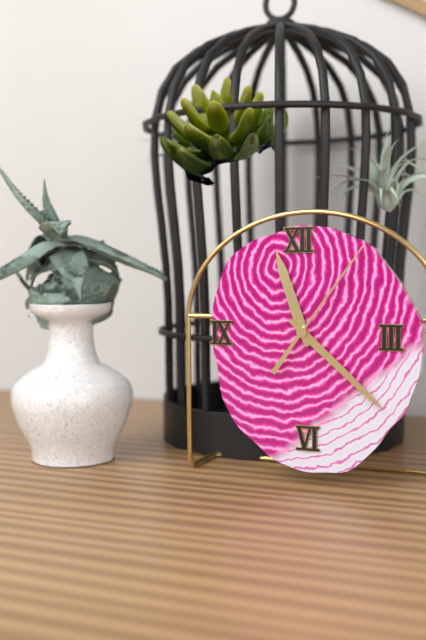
11:22:06
